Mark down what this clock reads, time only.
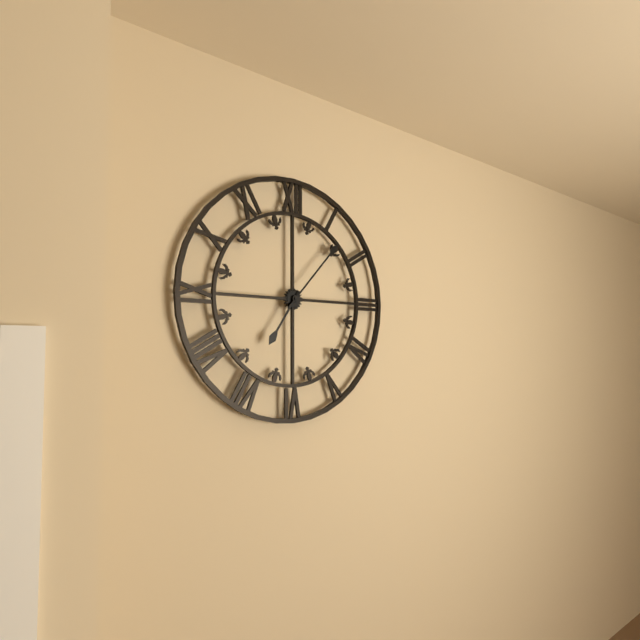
7:07
